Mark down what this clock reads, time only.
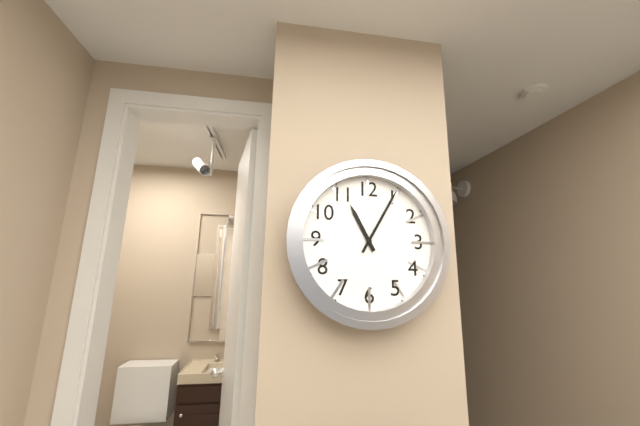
11:05
